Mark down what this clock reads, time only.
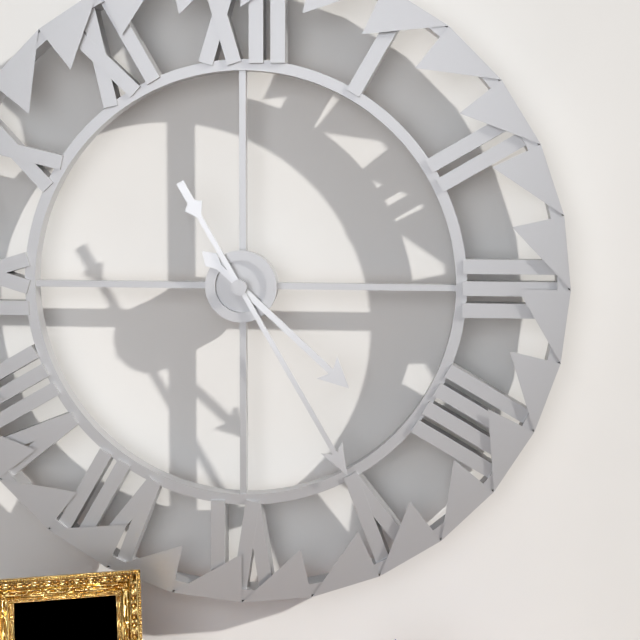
4:25
